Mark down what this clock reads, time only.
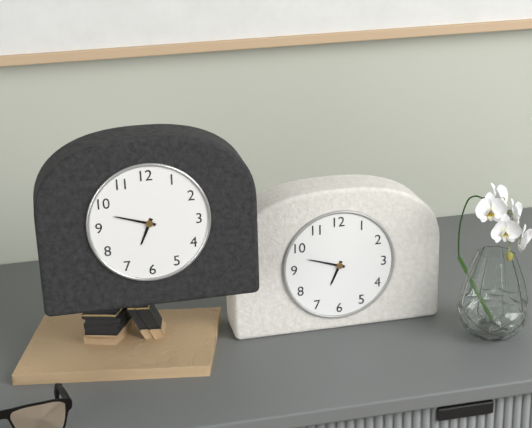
6:48
